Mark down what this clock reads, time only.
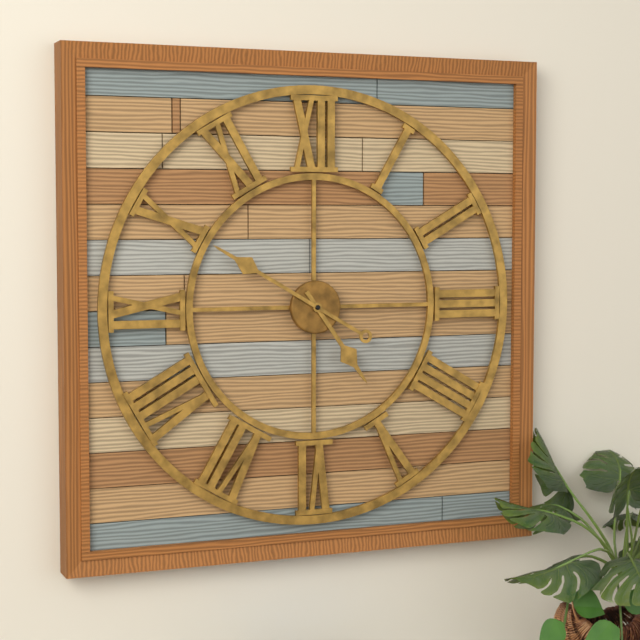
4:50
